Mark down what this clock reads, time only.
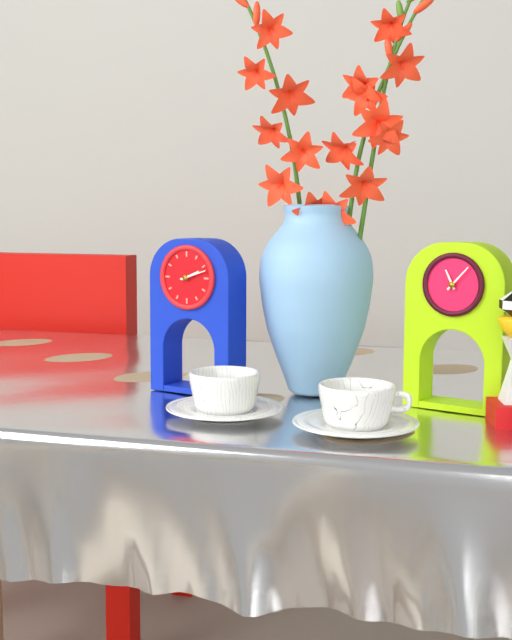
2:12
